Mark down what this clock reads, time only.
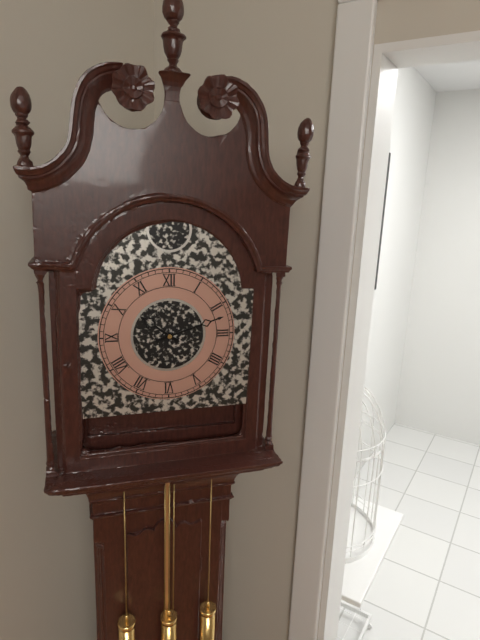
10:12
